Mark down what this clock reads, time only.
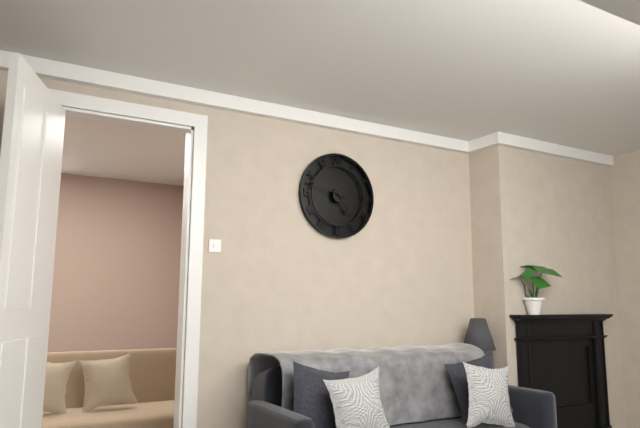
4:48
